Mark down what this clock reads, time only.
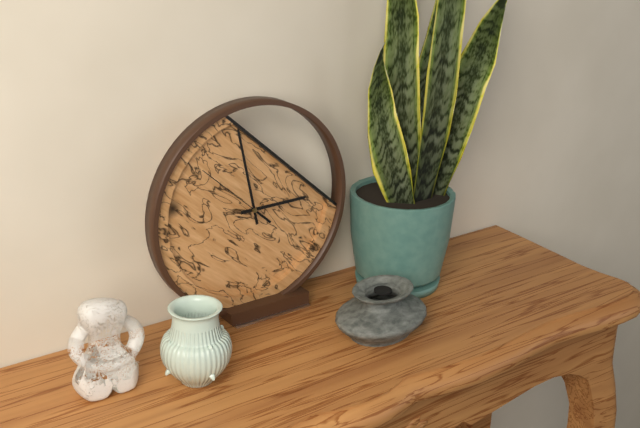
2:58:52
